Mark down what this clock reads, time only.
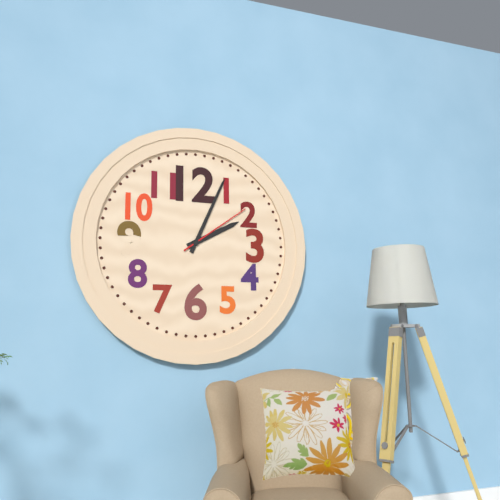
2:04:09
